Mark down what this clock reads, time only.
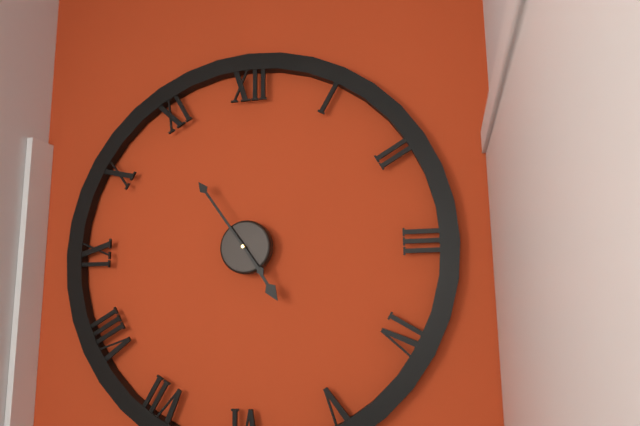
4:54
